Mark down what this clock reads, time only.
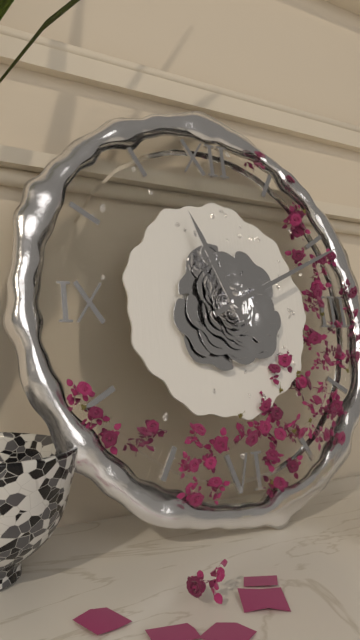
11:11
